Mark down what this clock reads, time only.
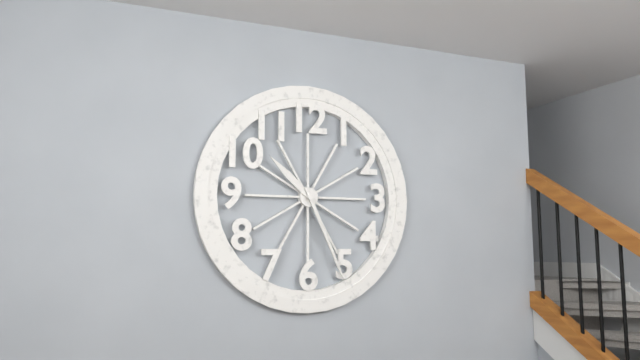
10:26
